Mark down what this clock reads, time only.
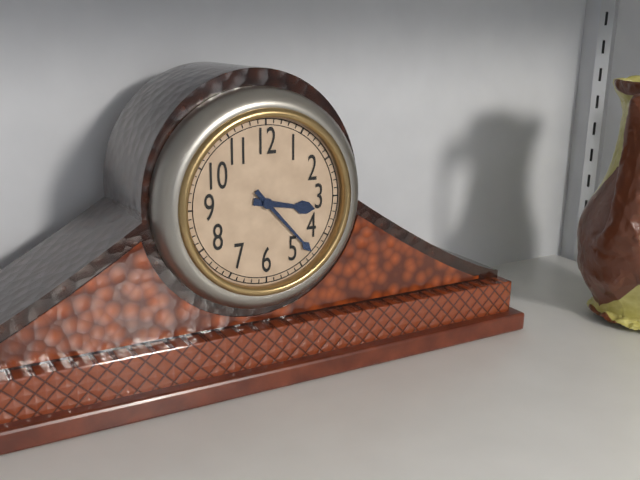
3:23
